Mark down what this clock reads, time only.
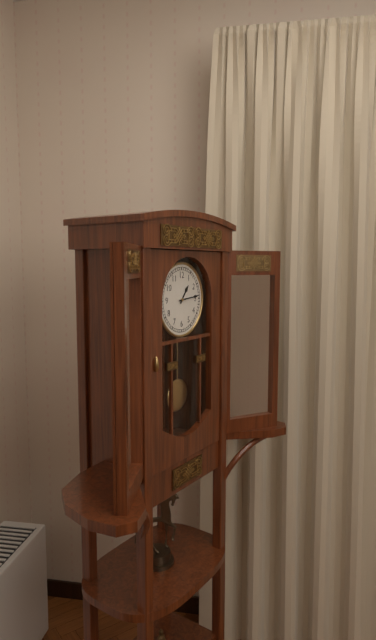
1:14
